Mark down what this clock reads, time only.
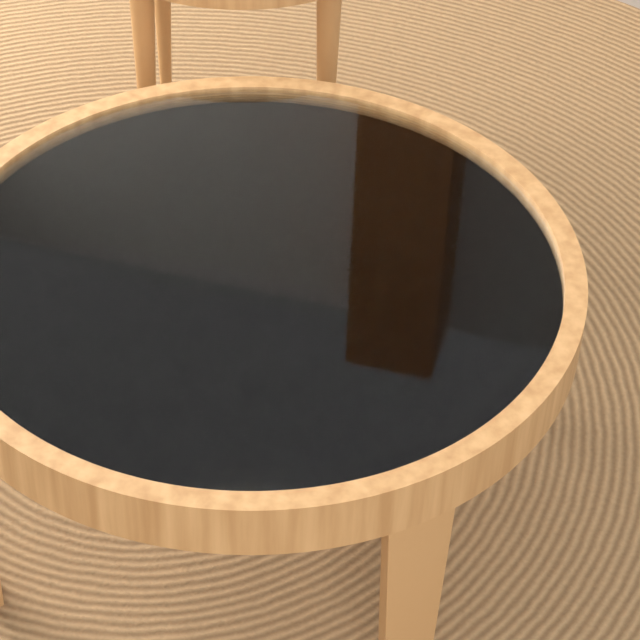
3:12
